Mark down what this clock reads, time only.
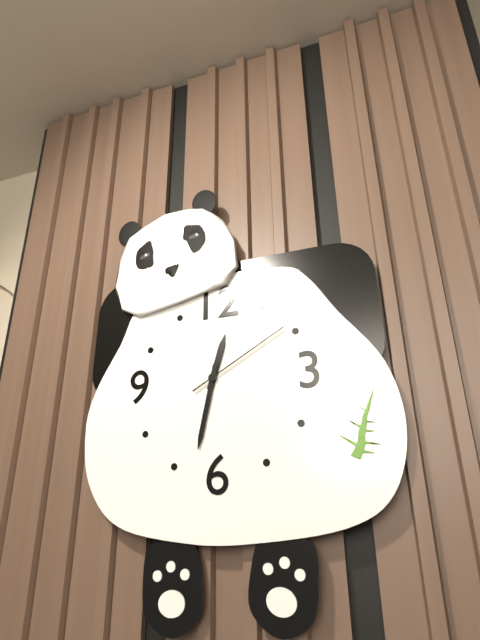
12:32:10
